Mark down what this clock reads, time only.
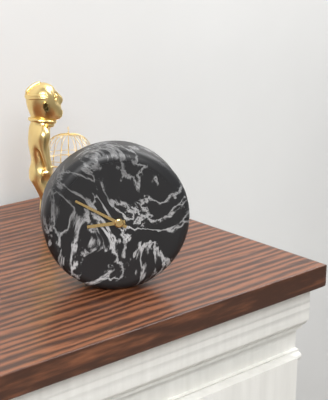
8:50
